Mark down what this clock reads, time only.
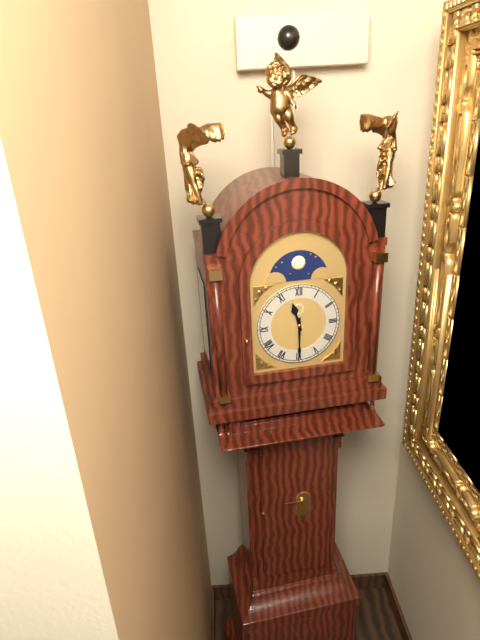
11:30
